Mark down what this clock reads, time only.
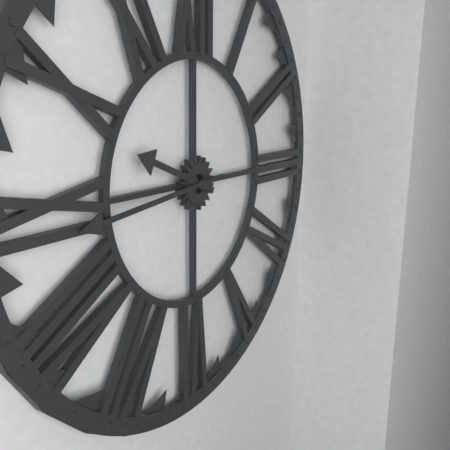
9:44
